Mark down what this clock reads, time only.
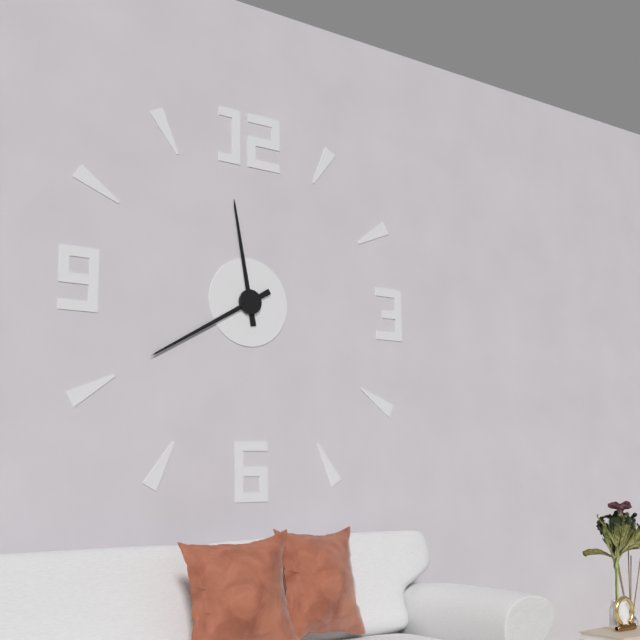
11:40
